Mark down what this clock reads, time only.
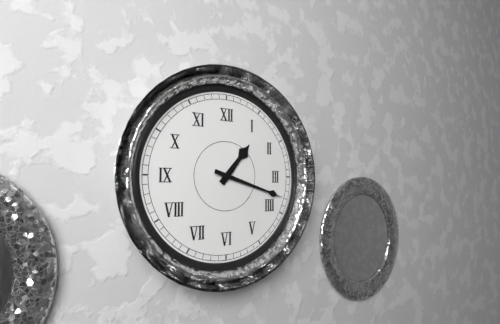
1:18
